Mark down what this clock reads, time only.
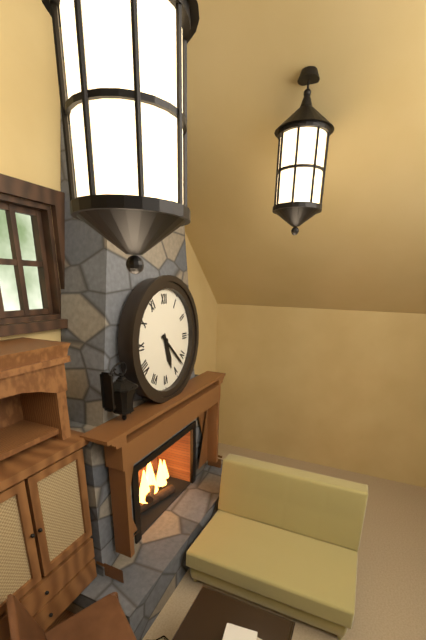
5:22
